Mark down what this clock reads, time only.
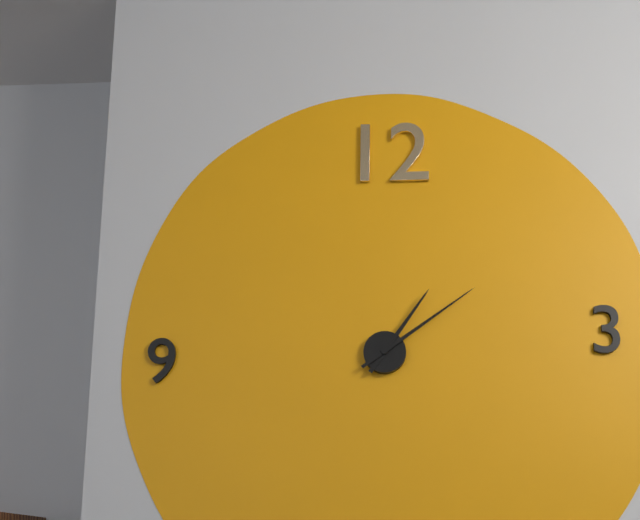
1:09
